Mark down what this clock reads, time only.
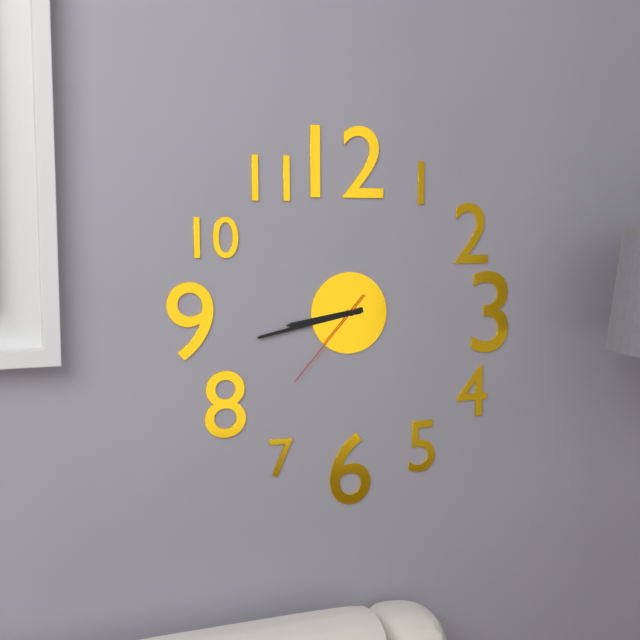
8:43:37
